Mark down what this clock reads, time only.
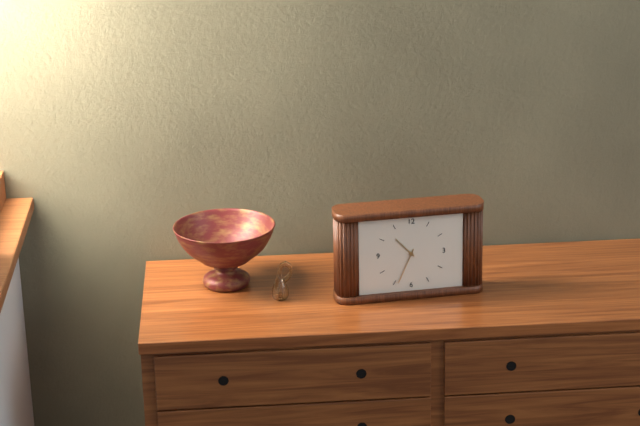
10:34
